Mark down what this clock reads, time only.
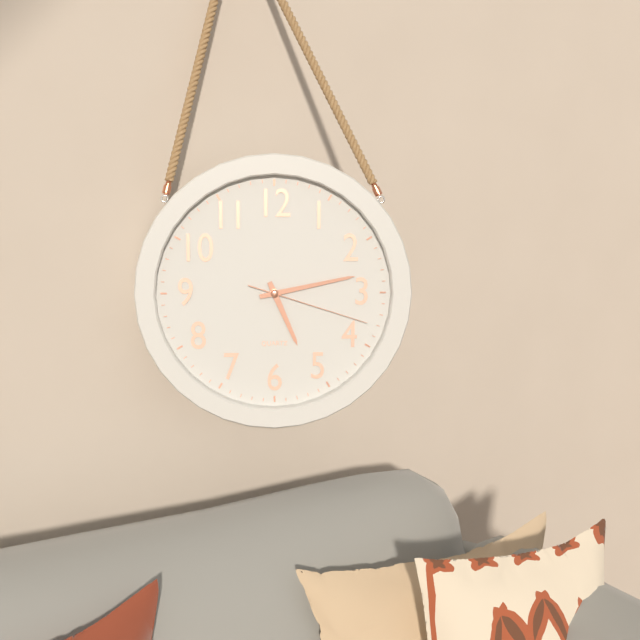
5:13:18
